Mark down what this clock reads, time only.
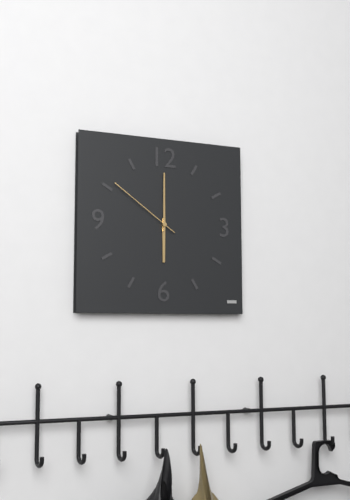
6:00:51
